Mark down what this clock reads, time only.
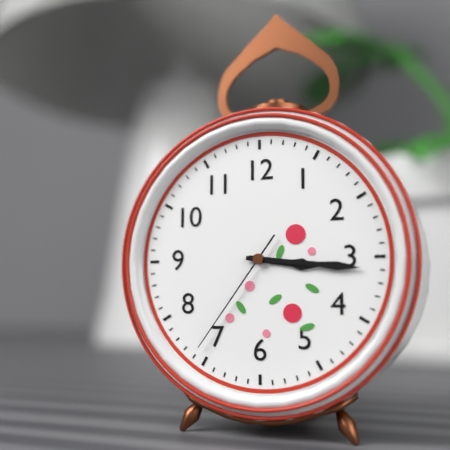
3:16:36
